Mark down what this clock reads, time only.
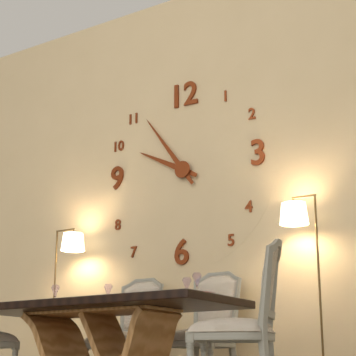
9:54
